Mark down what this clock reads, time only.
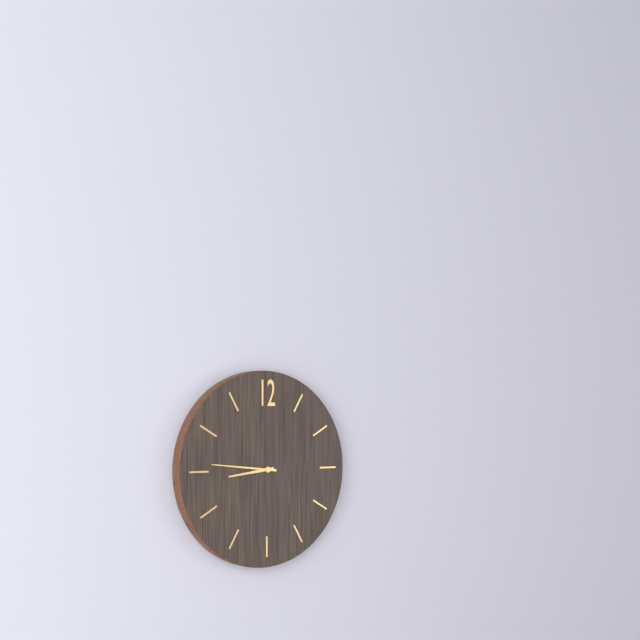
8:46
